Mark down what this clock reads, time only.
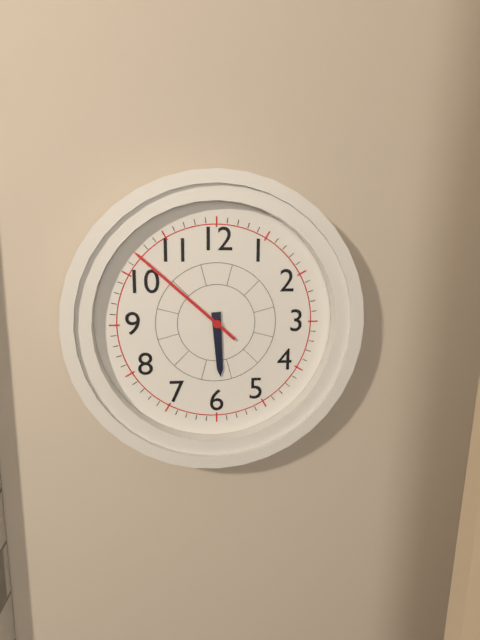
5:52
